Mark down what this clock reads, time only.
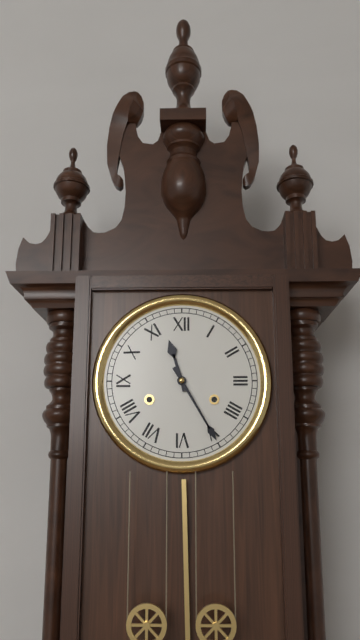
11:25
